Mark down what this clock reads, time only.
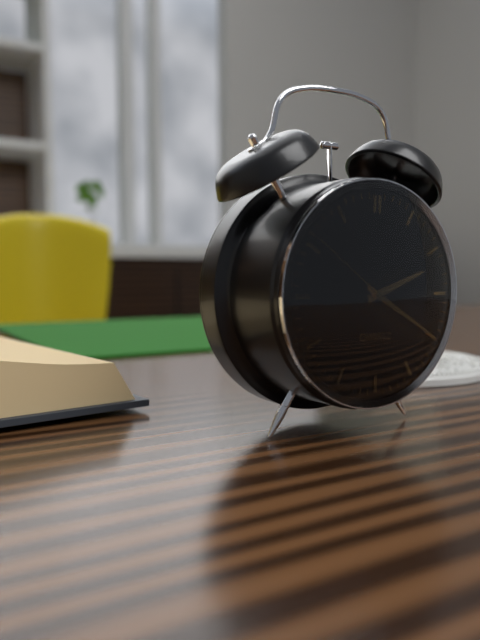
2:20:51
